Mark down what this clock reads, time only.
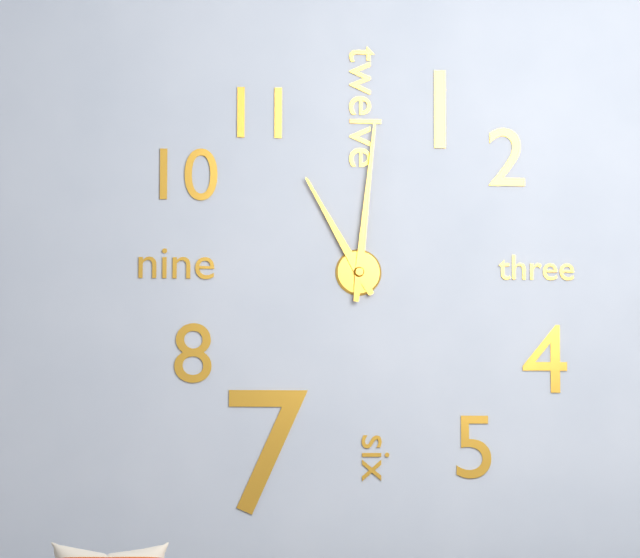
11:01
